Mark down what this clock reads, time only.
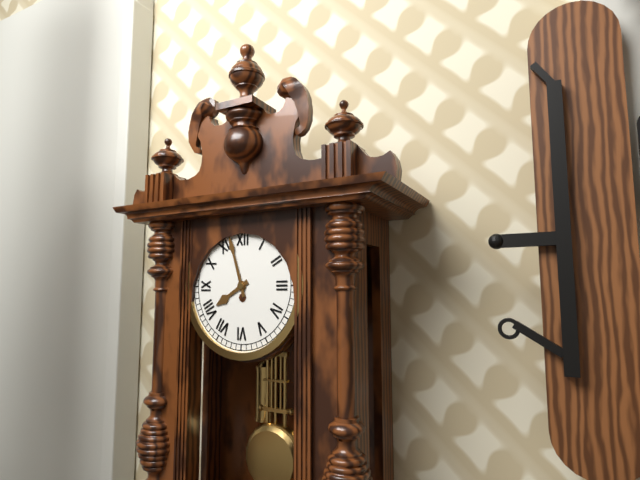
7:57
